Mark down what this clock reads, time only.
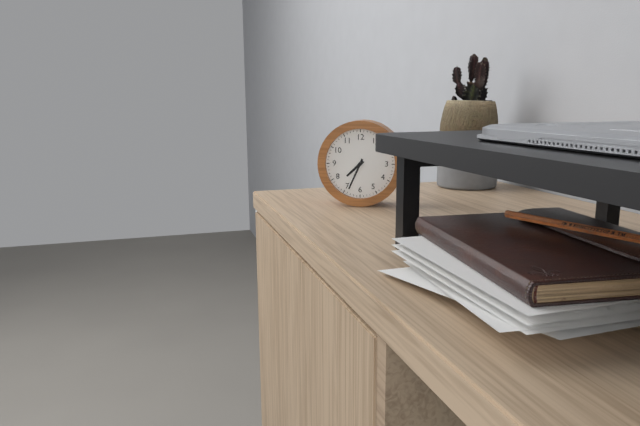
7:34
